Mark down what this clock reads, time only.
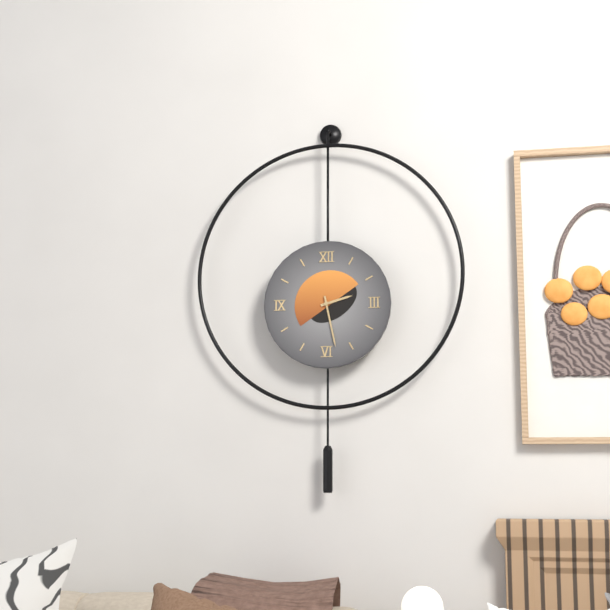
2:28
